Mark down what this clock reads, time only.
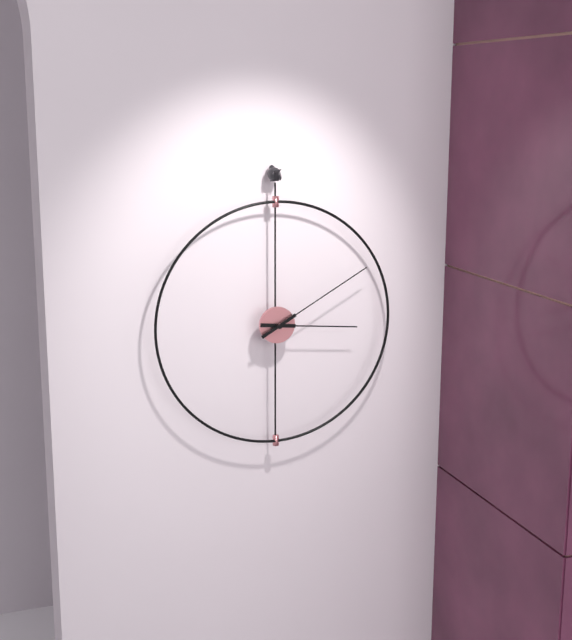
3:10
